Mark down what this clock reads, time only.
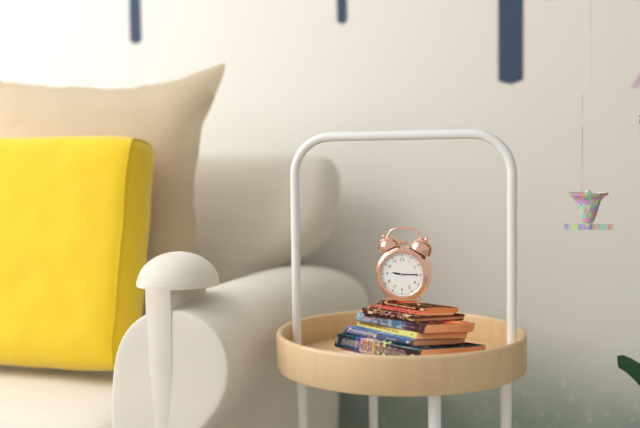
9:15
